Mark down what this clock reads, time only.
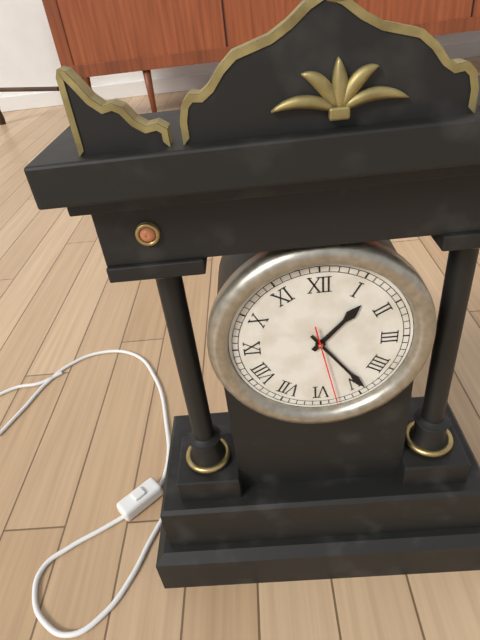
1:24:28
